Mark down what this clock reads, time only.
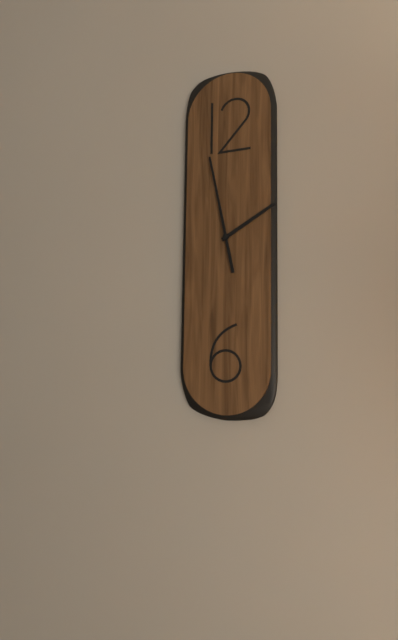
1:58
